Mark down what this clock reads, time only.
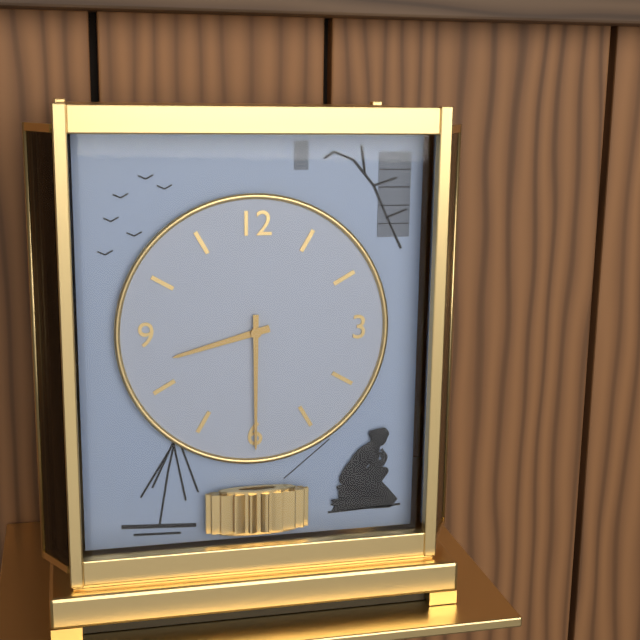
8:30
